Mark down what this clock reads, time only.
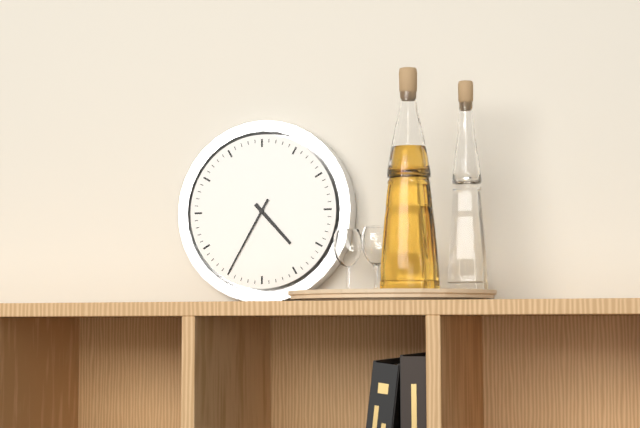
4:35
